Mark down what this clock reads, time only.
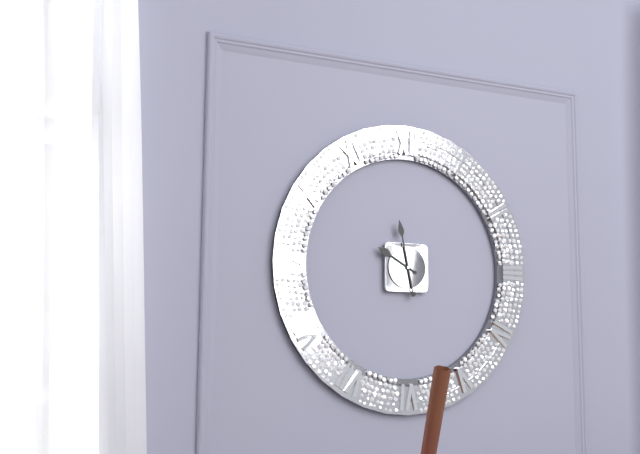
9:58
